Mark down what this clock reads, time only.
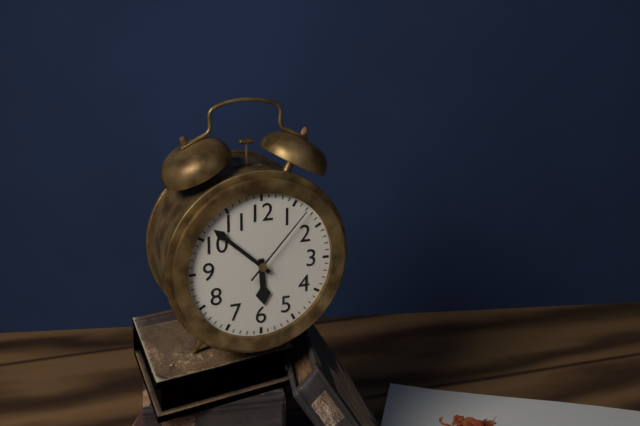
5:52:07
